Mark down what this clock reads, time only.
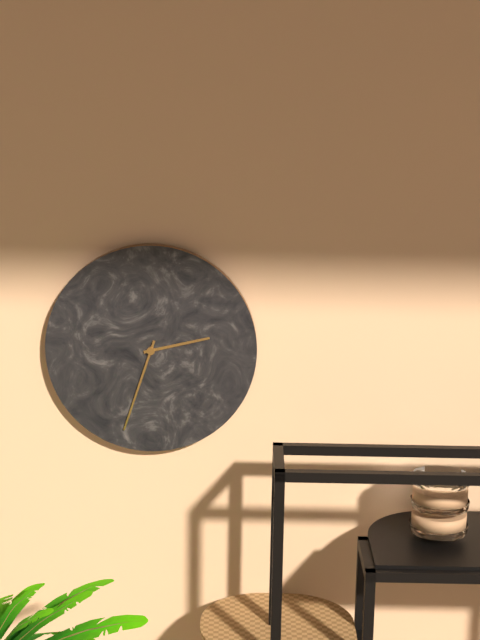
2:33
